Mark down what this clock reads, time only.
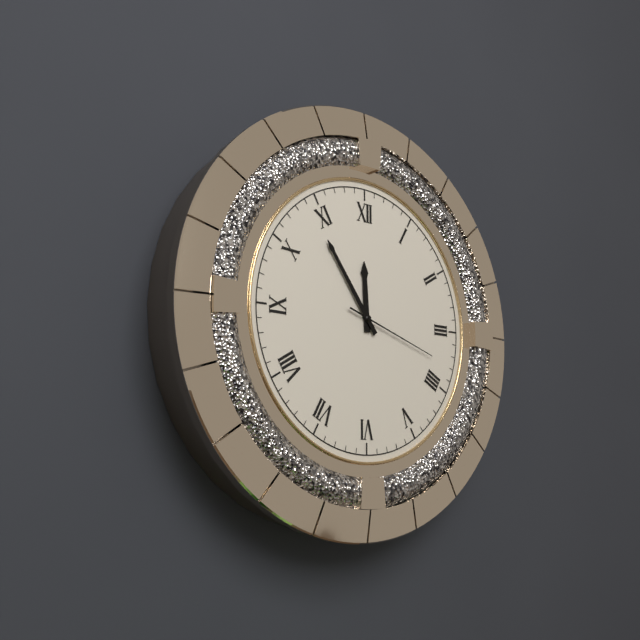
11:54:18
